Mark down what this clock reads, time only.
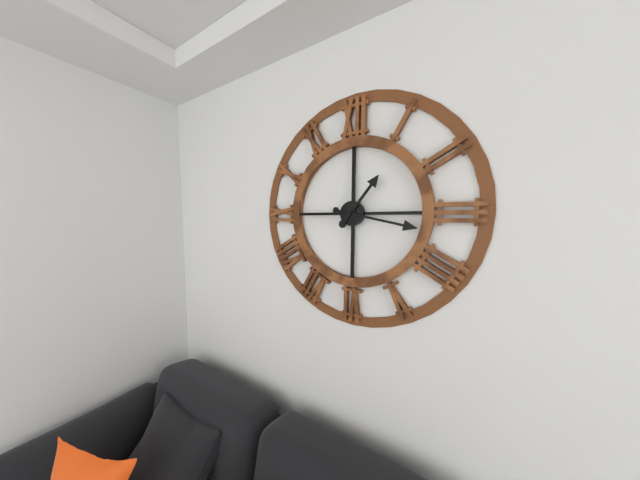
1:17
